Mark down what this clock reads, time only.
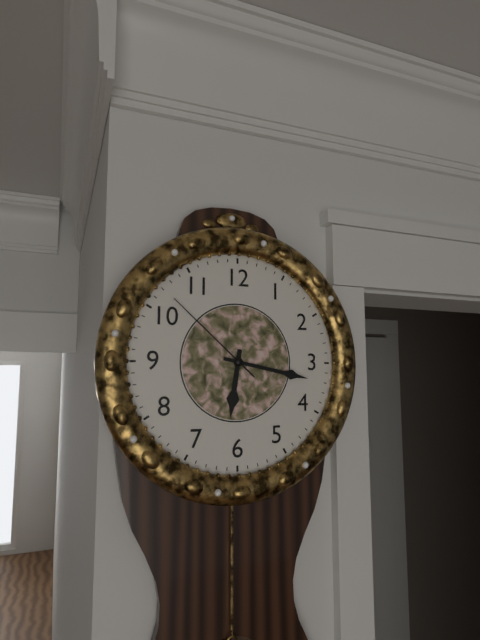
6:17:52
